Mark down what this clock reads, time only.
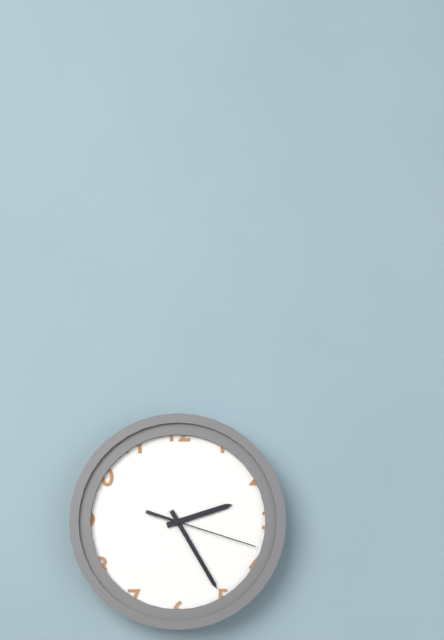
2:25:18
